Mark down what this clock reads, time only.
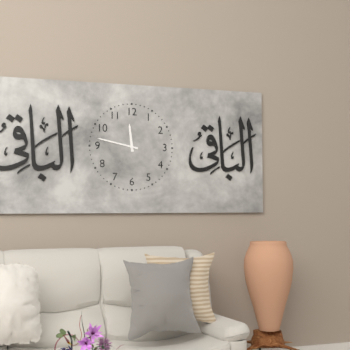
11:47
